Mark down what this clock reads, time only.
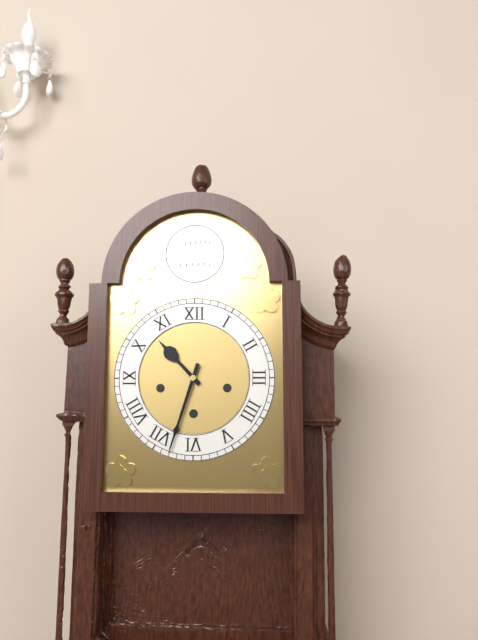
10:33
